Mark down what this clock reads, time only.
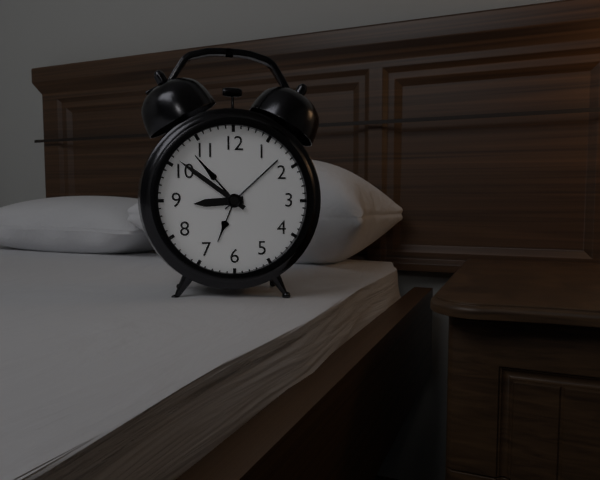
8:51
